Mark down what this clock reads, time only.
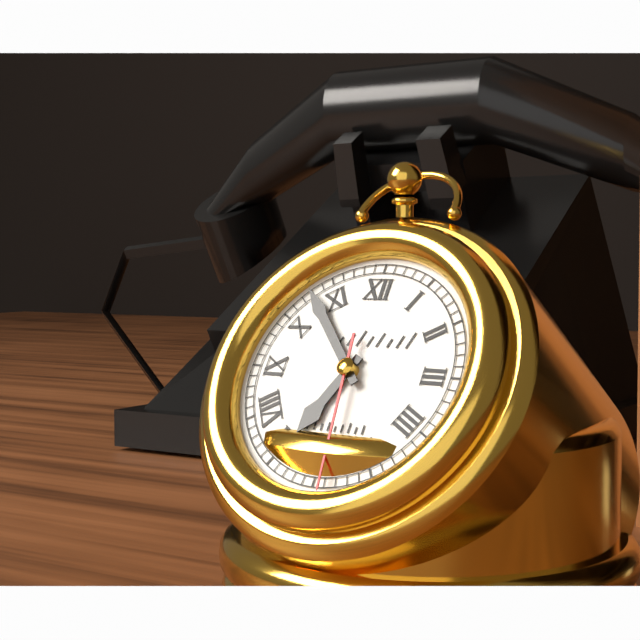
6:53:29
